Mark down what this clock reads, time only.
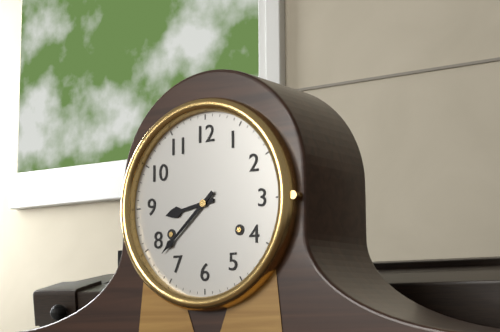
8:38
